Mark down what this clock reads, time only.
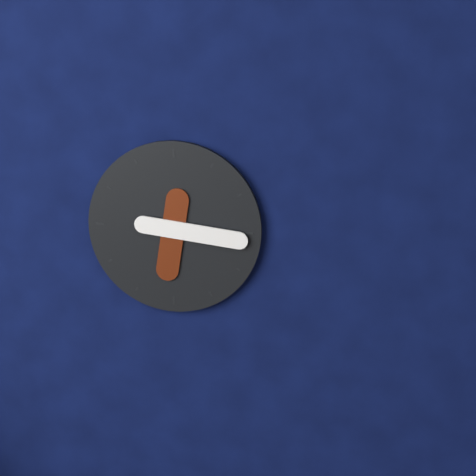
6:16
